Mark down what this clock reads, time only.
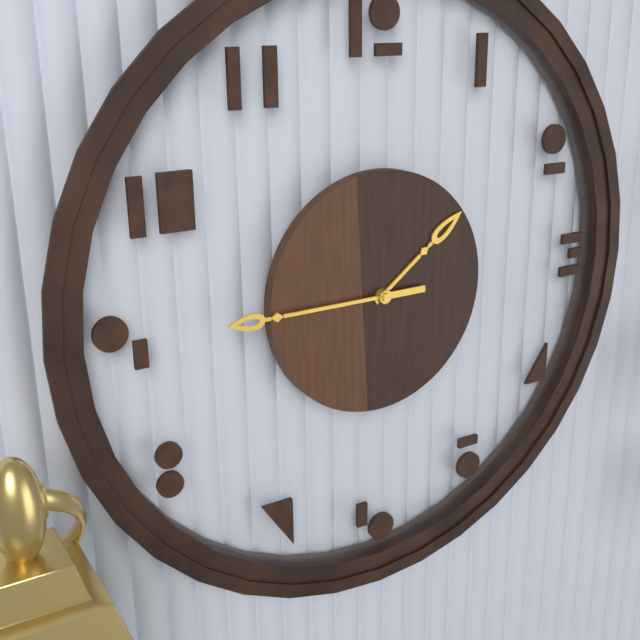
1:45
